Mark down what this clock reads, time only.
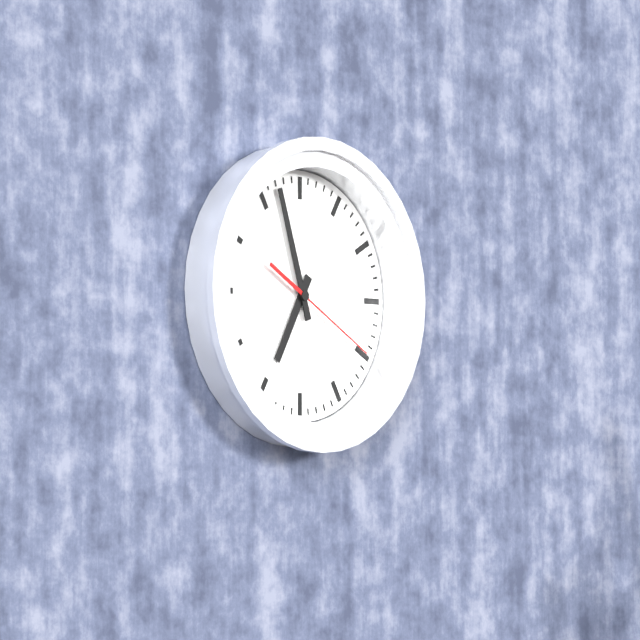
6:57:20
